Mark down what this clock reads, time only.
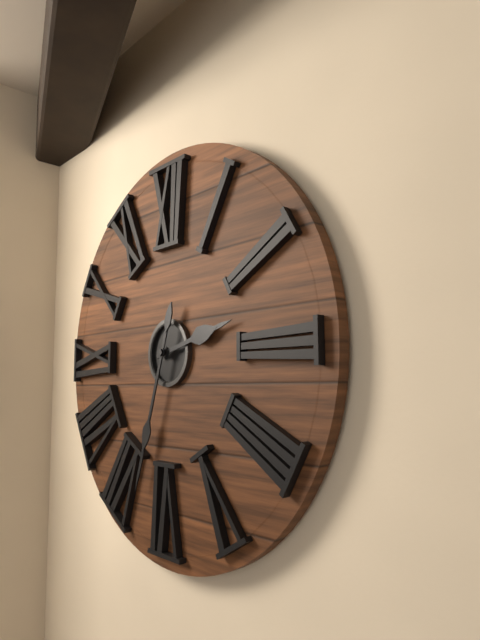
2:33
